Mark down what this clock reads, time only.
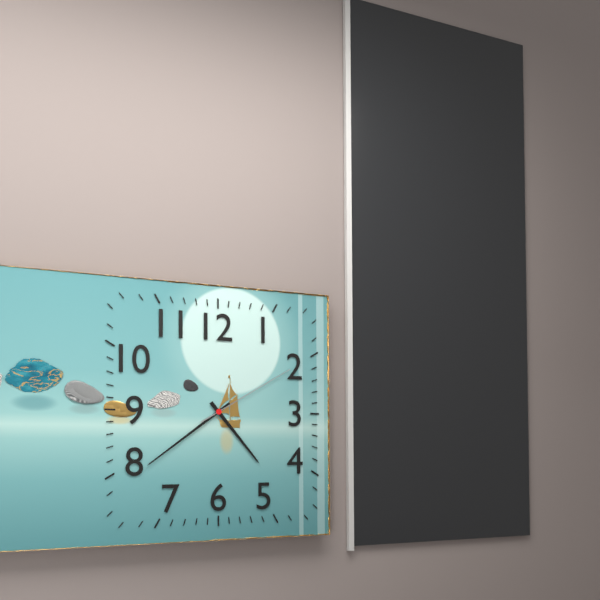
4:39:10
